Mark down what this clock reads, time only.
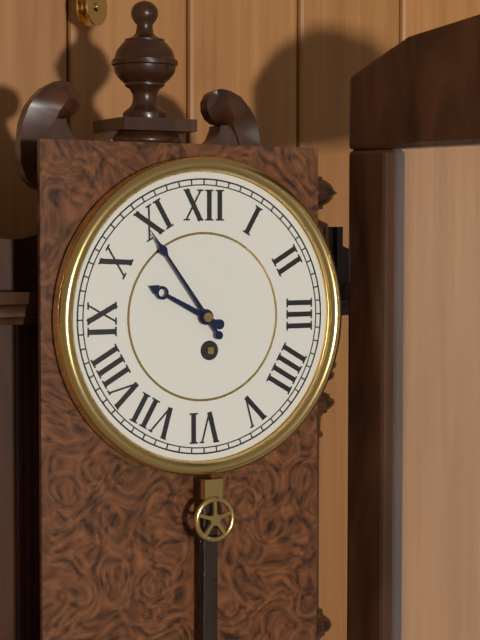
9:54
